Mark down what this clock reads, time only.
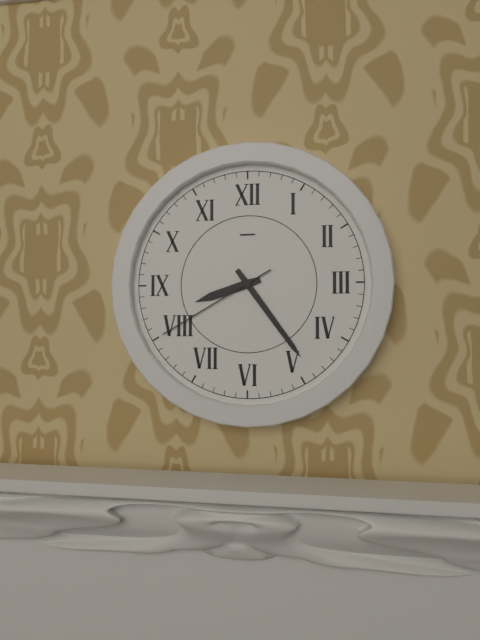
8:24:40
